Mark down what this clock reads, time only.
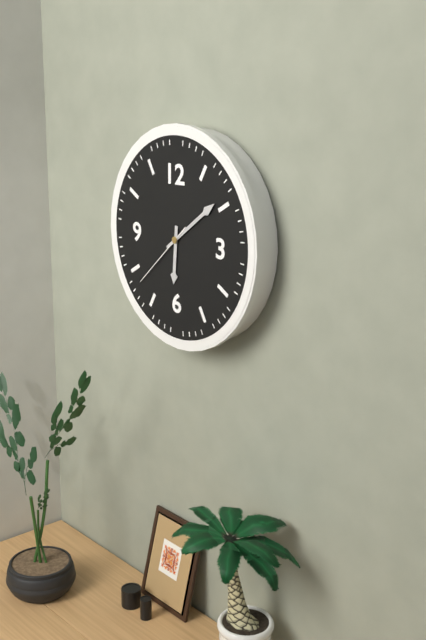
6:09:38
